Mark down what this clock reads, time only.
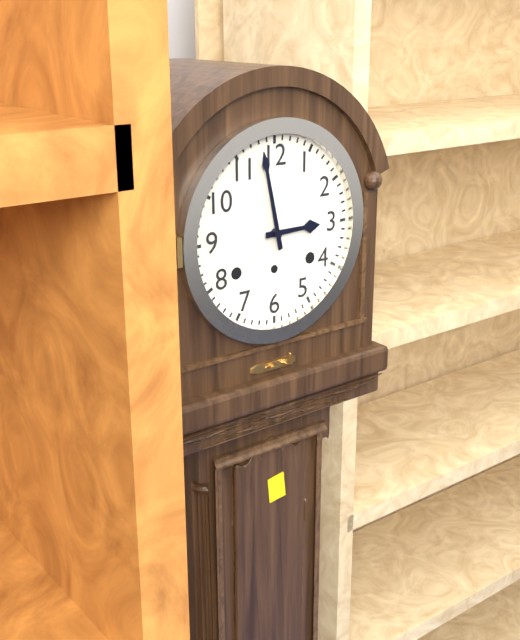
2:58
